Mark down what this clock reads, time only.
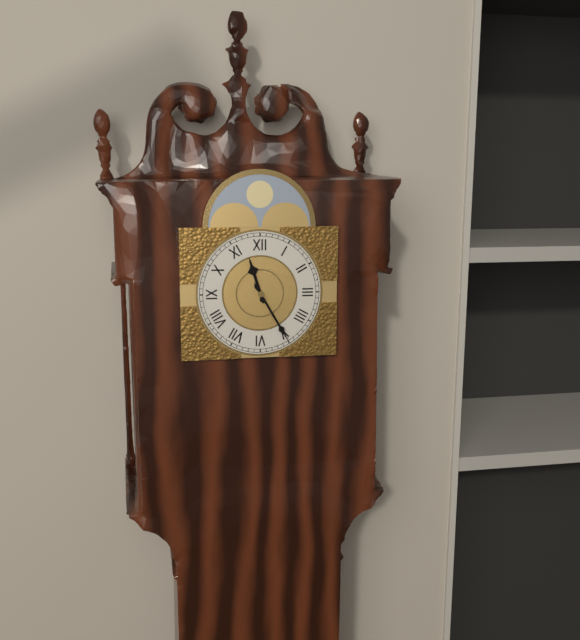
11:25
